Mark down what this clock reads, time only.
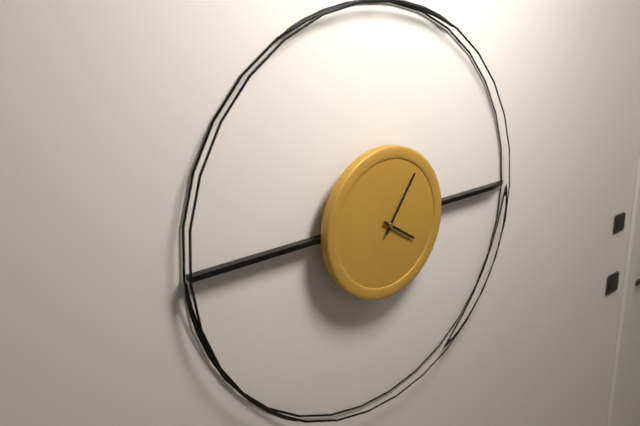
4:06
